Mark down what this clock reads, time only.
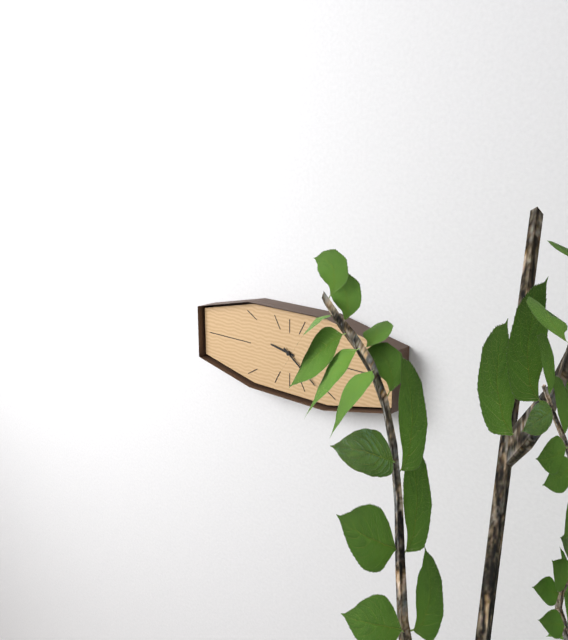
9:21
